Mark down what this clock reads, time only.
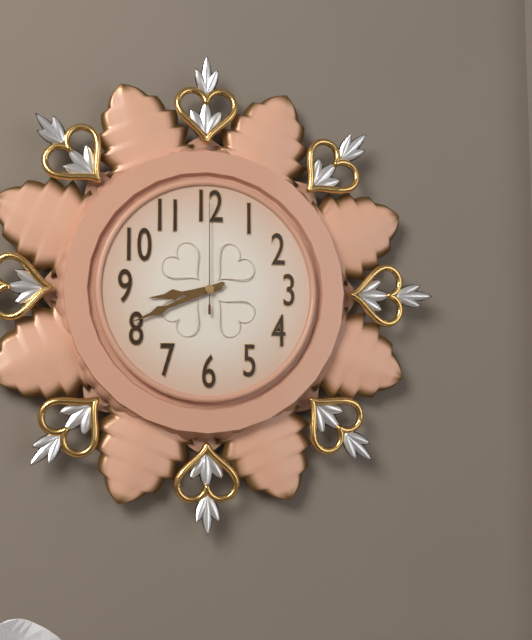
8:41:00
